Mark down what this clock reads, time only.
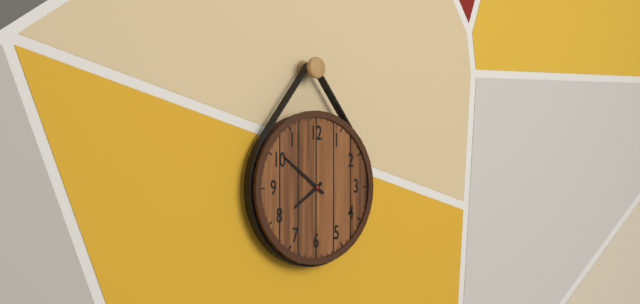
7:51
